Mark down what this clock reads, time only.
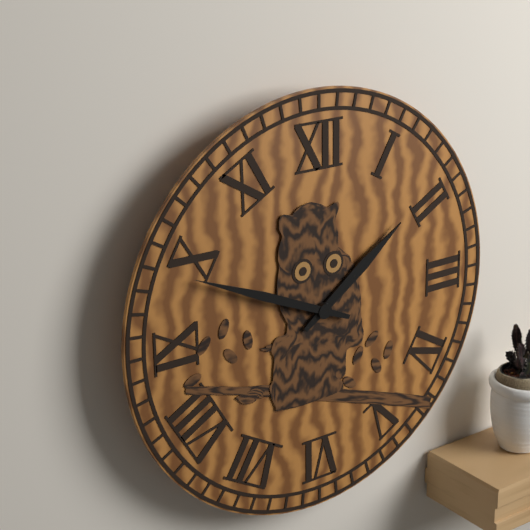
1:49
